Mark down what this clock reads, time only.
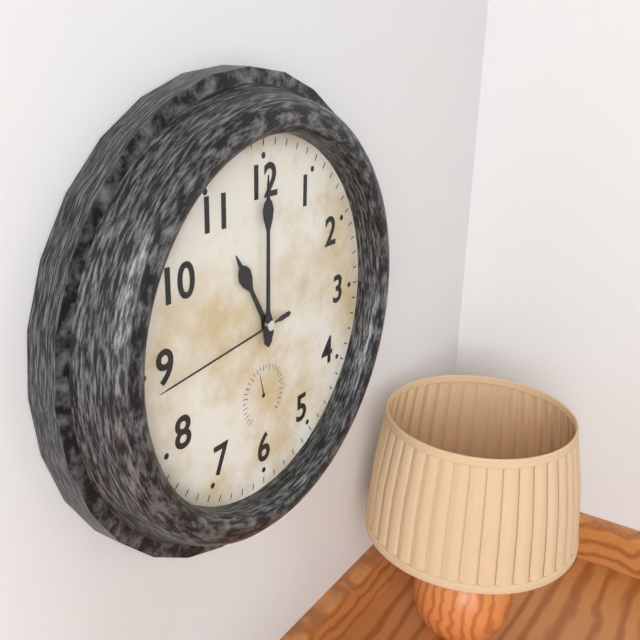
11:00:44
